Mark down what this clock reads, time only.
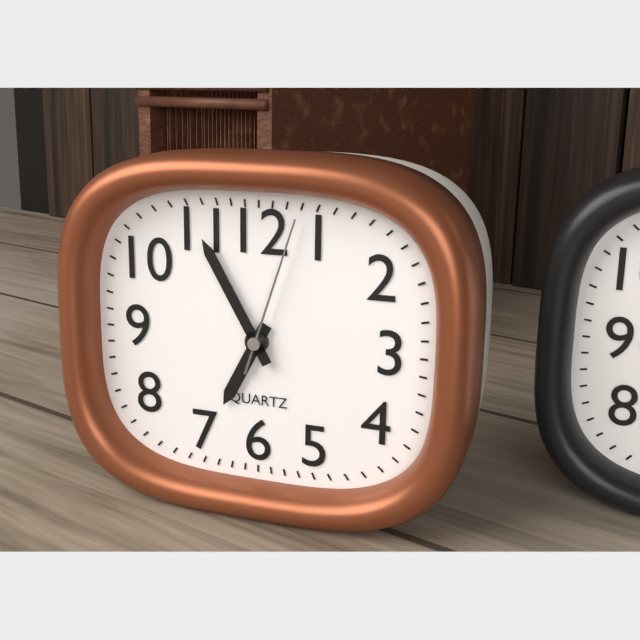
6:55:03
